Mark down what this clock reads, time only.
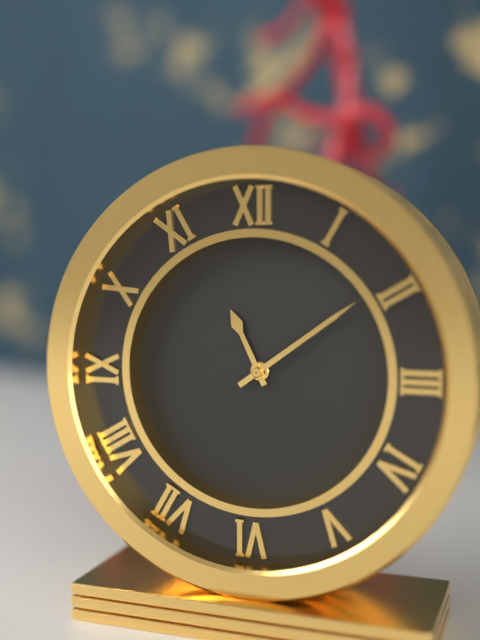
11:09
